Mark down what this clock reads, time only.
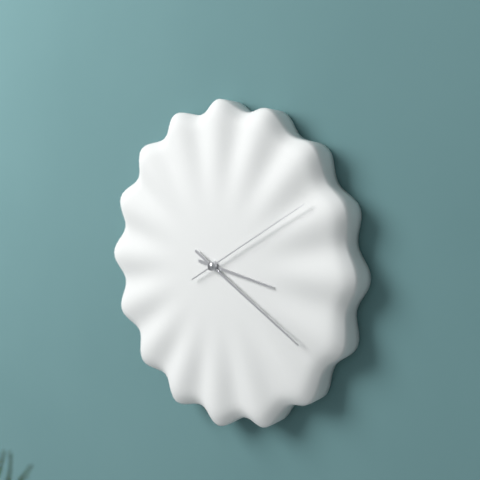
3:20:10
